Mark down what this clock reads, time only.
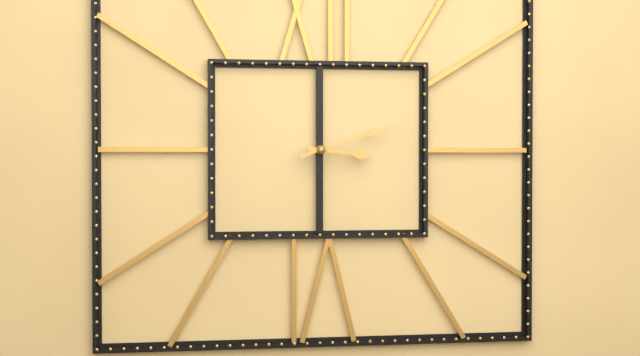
3:12
